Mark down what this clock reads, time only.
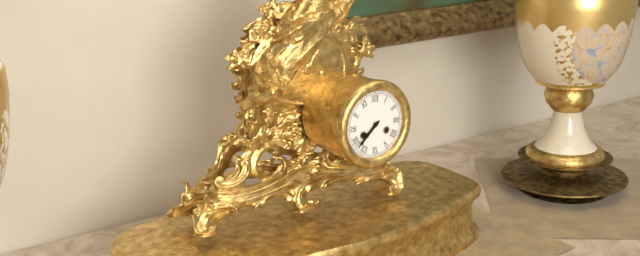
7:38
